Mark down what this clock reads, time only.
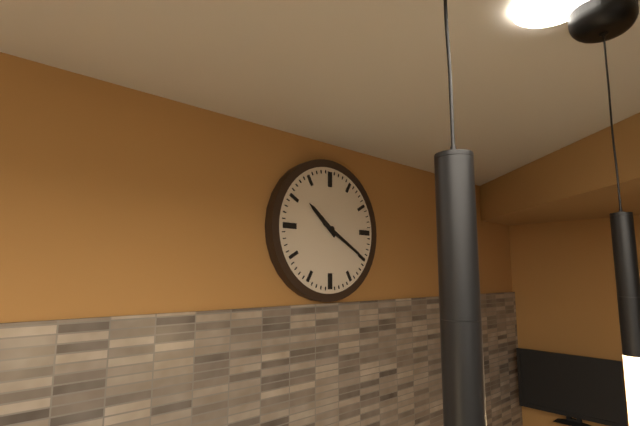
10:20
